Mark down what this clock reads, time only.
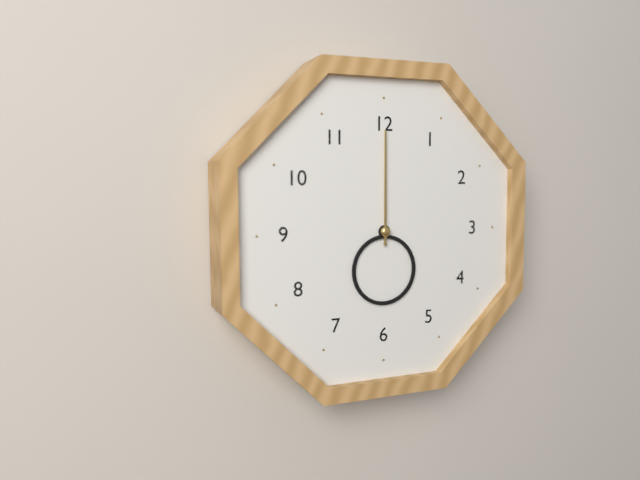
6:00
